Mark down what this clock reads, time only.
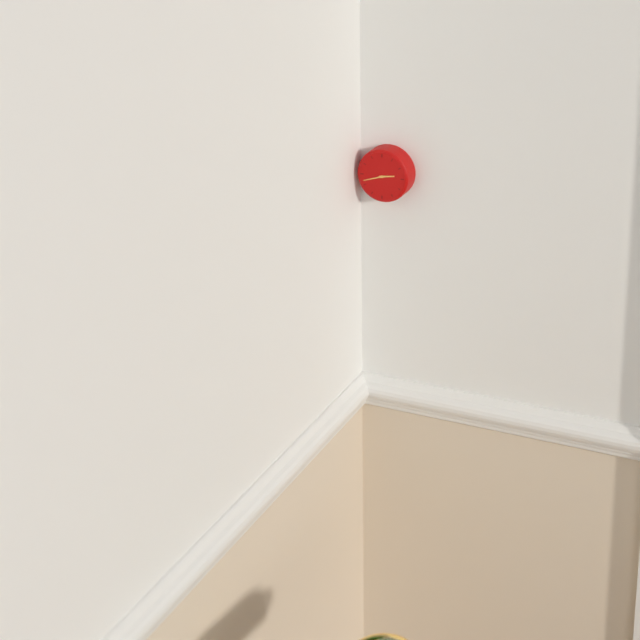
2:42
